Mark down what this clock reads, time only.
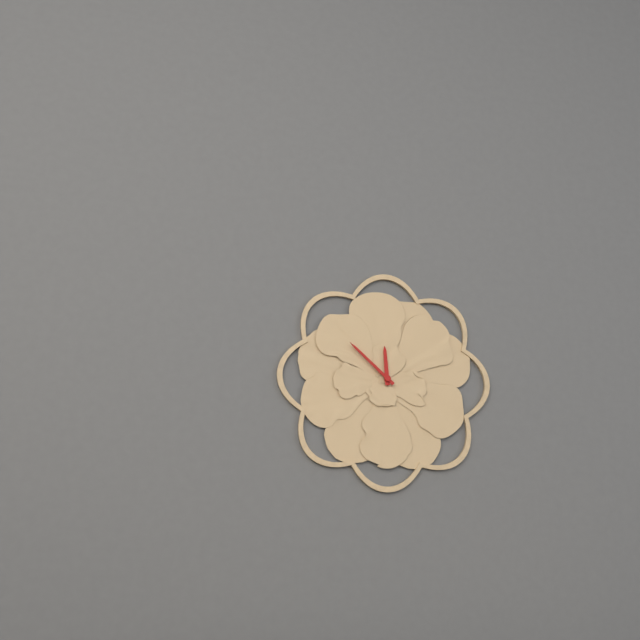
11:52
